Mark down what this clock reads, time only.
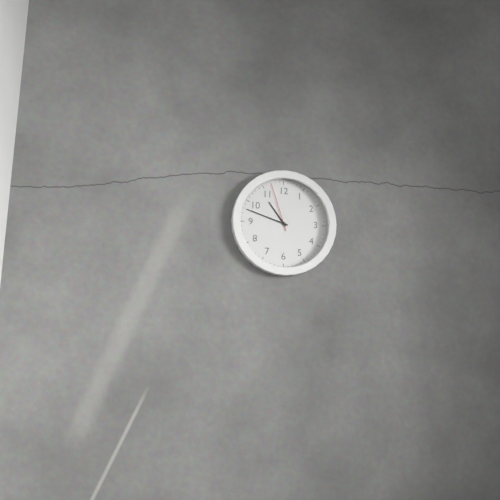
10:48:57
